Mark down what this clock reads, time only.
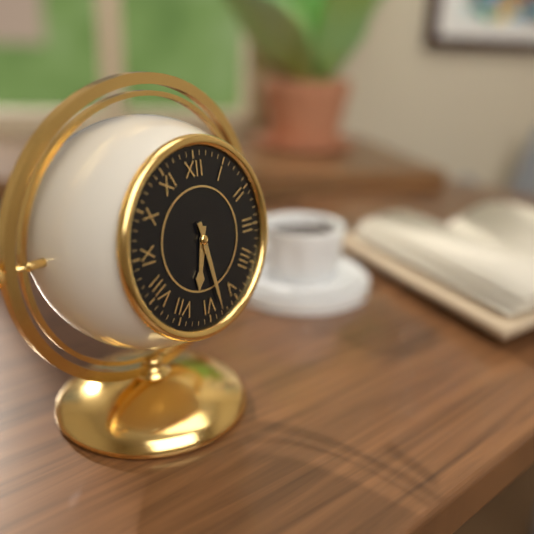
6:28
